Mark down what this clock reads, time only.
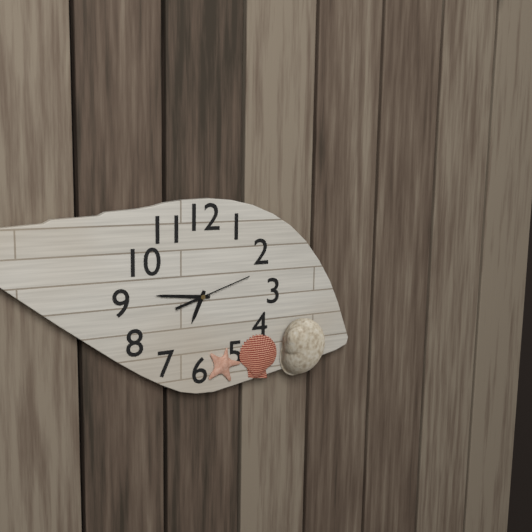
6:46:12
